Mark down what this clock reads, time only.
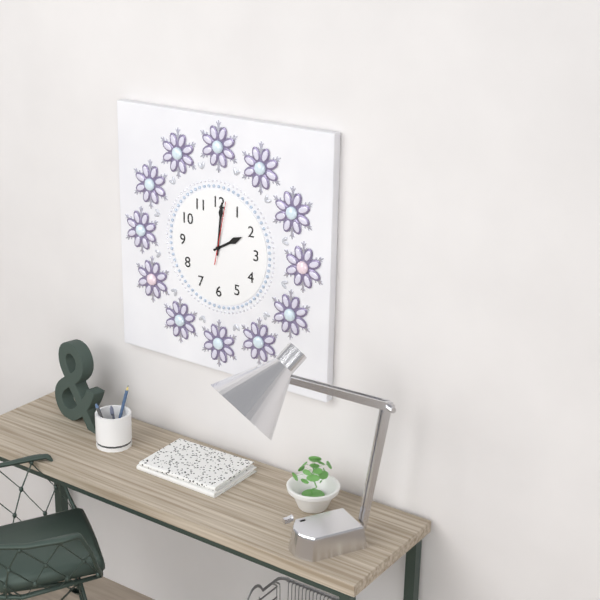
2:01:02
